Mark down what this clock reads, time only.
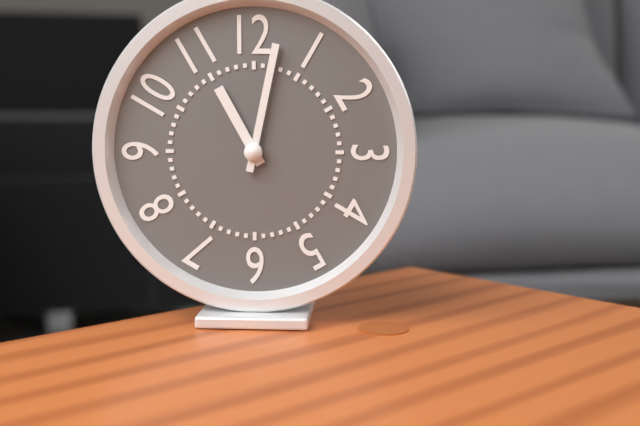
11:02
